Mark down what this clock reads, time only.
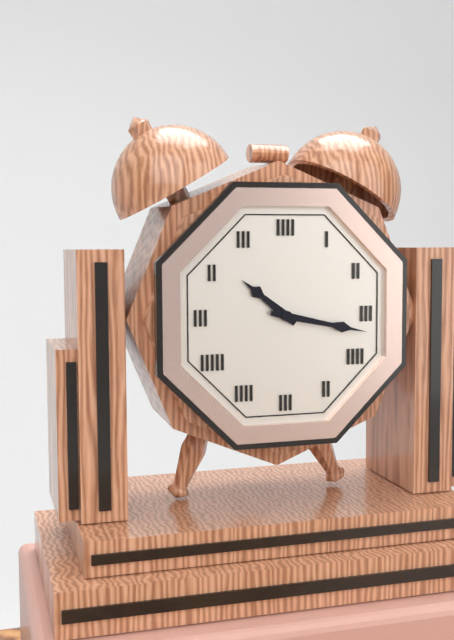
10:17
